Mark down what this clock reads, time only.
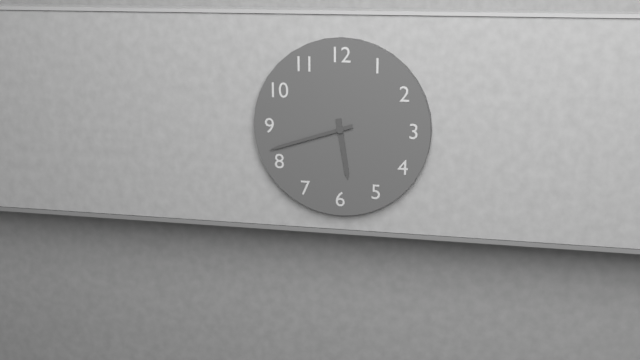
5:42
